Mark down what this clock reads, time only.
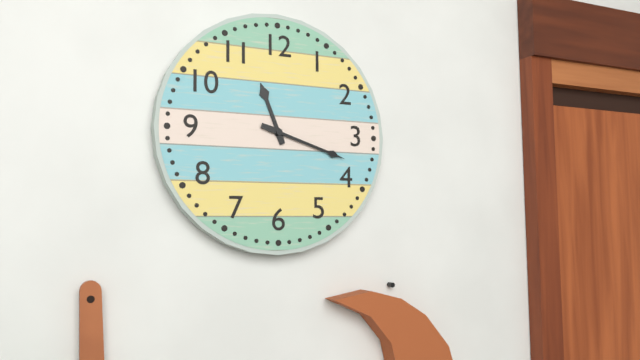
11:18
